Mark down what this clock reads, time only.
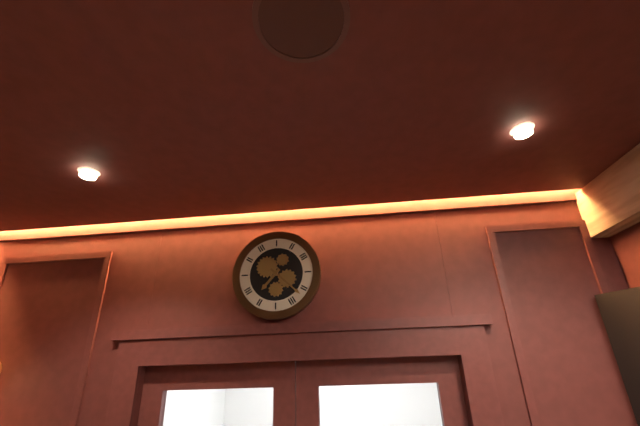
7:22
